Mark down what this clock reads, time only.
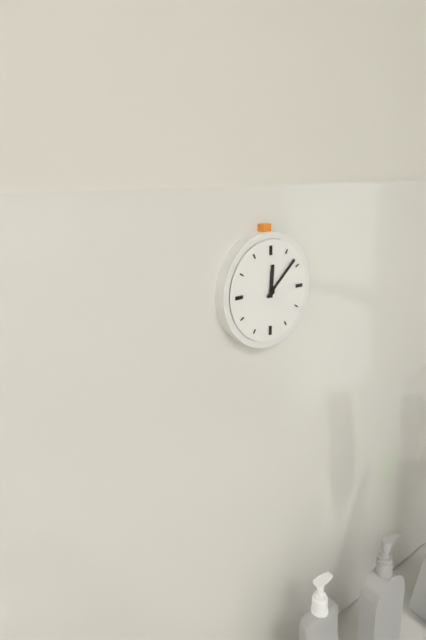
12:08
